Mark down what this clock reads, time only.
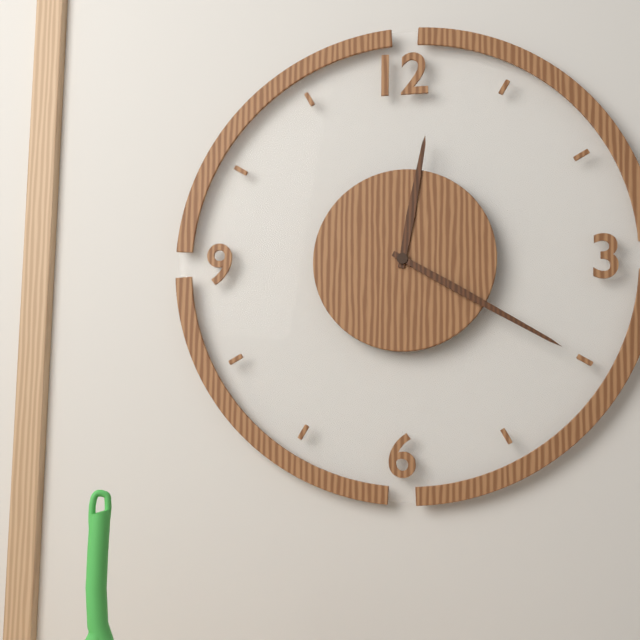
12:20
